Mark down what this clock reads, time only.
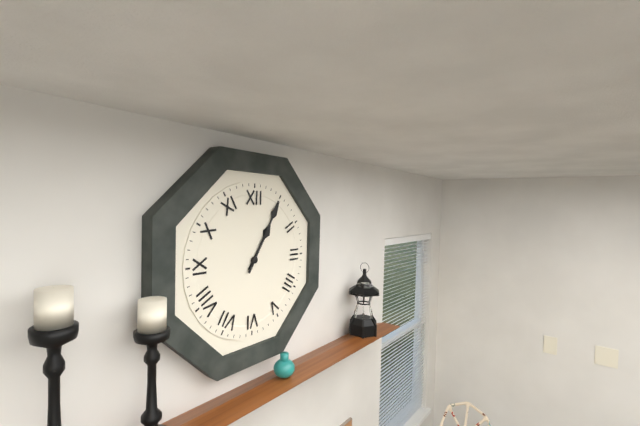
1:05
